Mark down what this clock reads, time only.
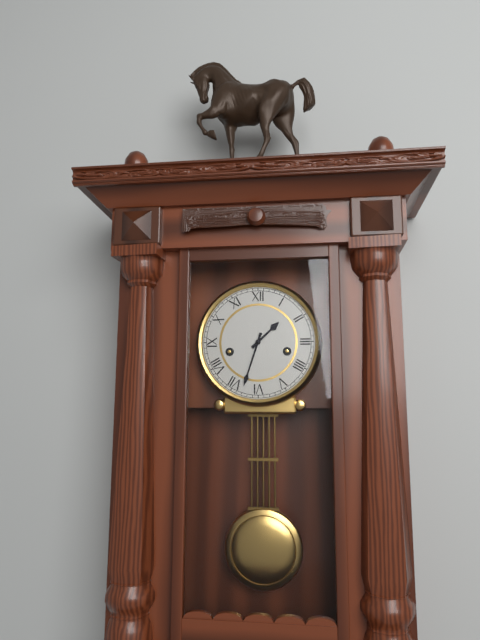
1:33
